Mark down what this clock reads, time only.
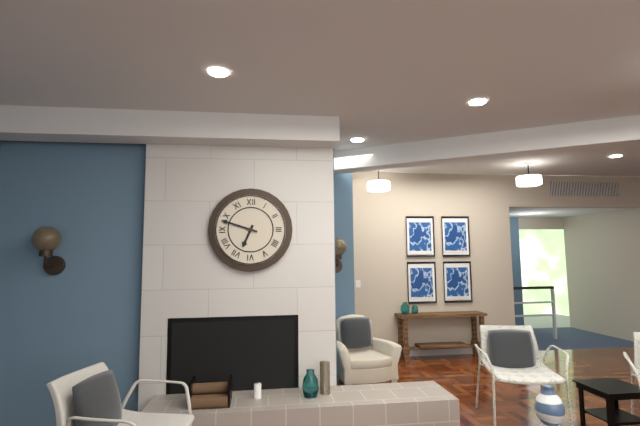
6:48
